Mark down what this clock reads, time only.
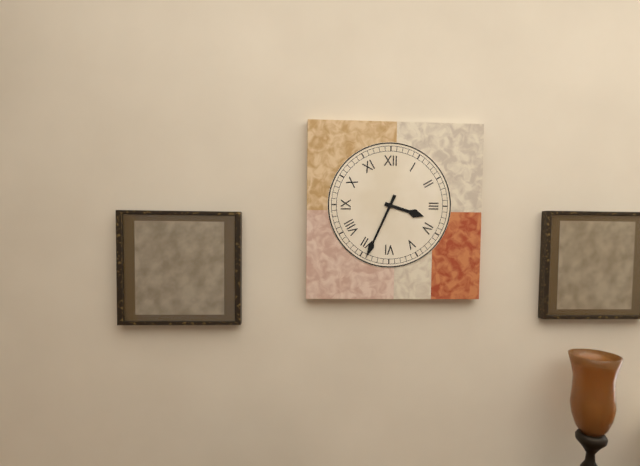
3:34
